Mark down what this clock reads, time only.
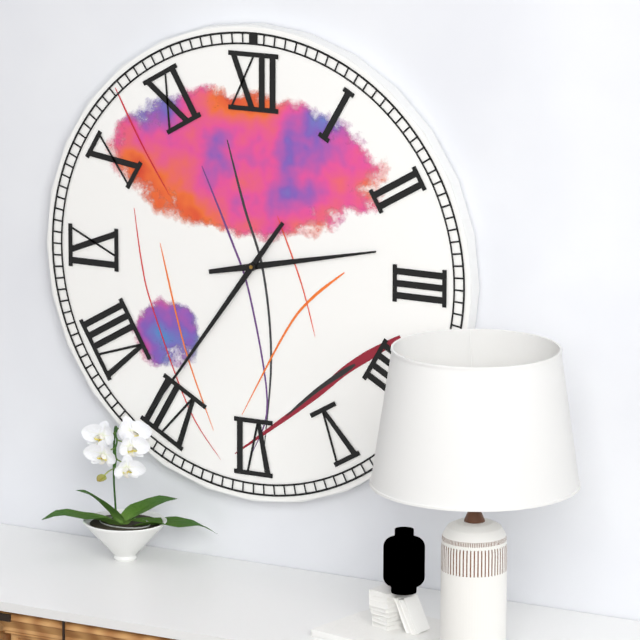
2:36
